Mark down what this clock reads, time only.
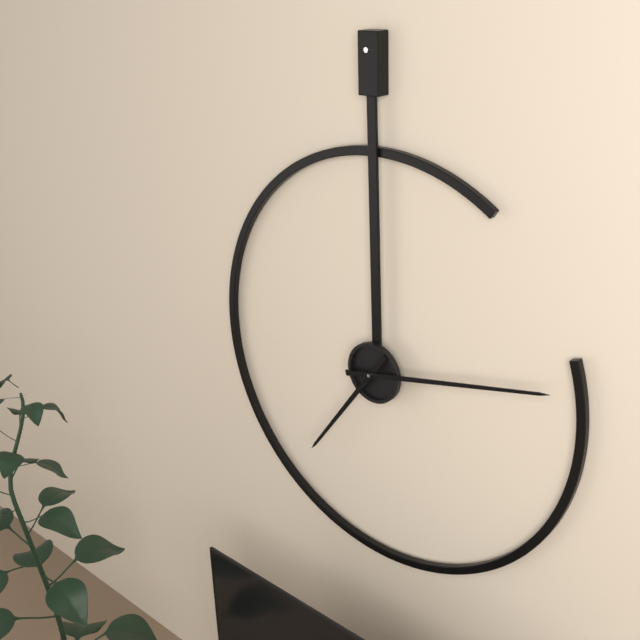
7:13
